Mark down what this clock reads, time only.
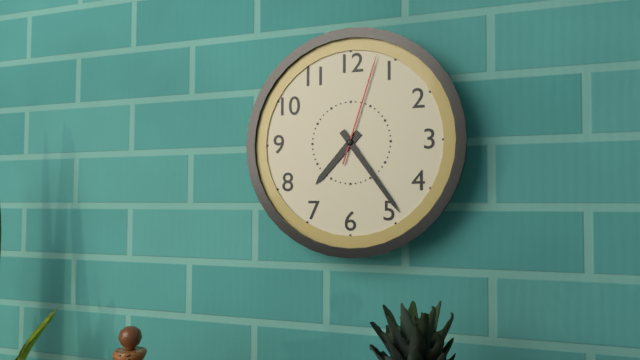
7:24:03
